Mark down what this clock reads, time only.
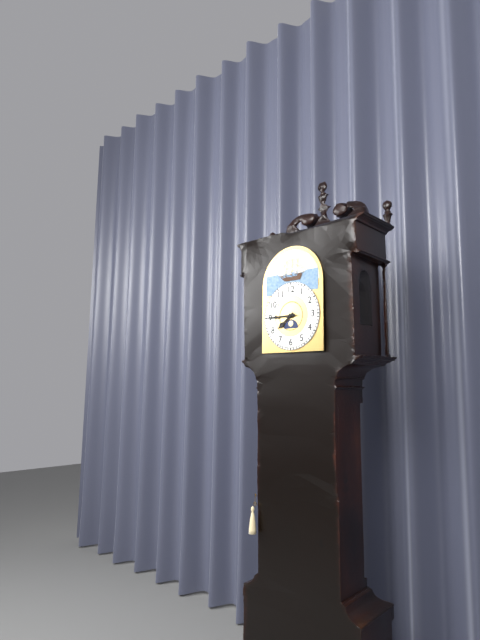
7:45
